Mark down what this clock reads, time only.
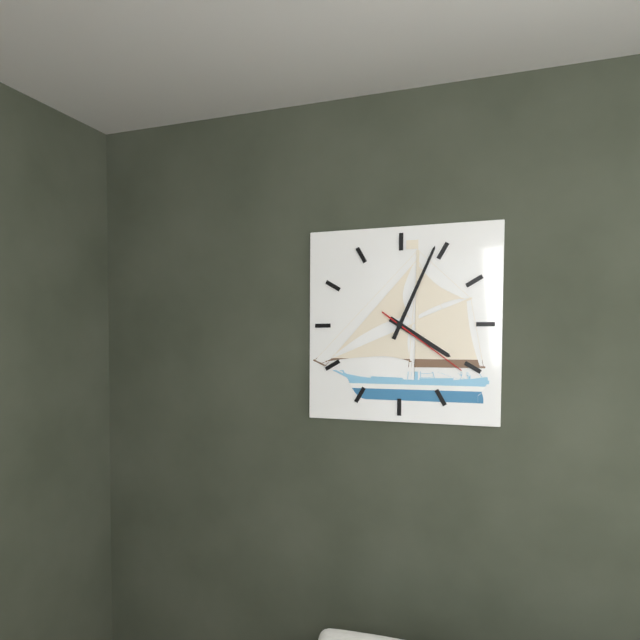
4:04:21
